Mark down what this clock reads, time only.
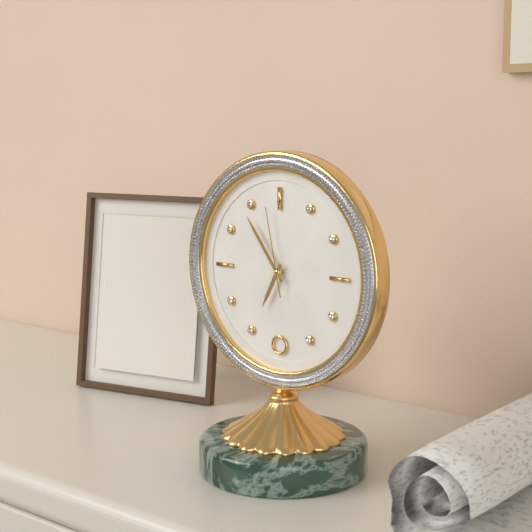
6:54:58
